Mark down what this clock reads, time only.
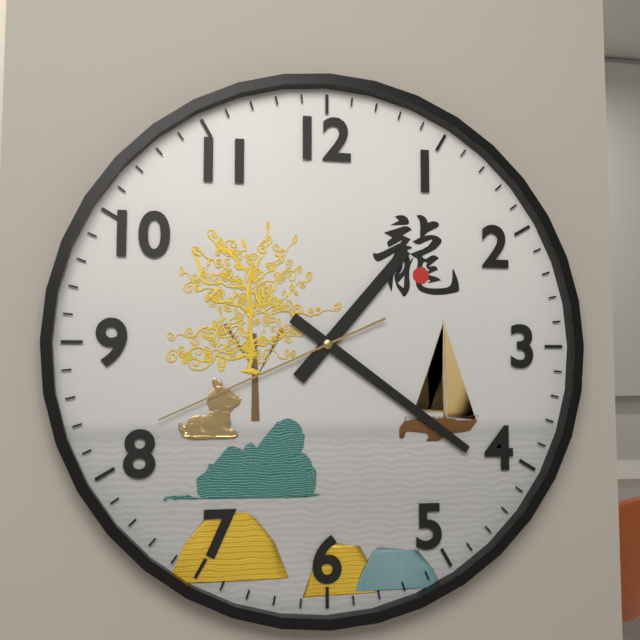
1:21:41
